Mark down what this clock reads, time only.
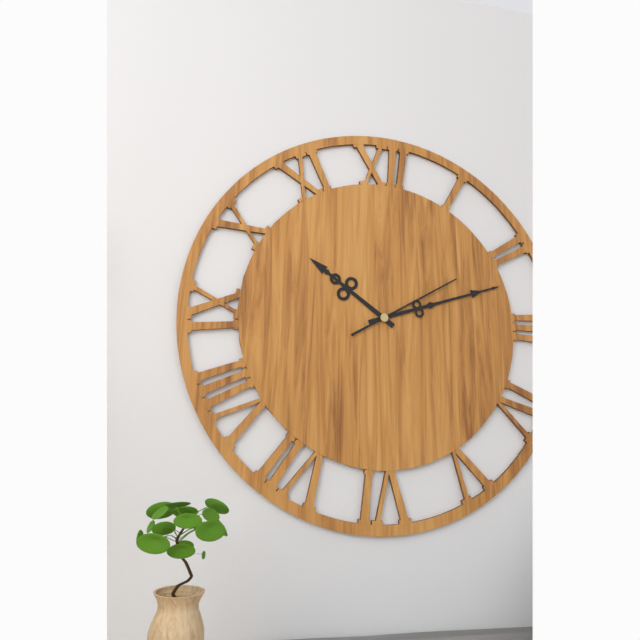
10:12:10
